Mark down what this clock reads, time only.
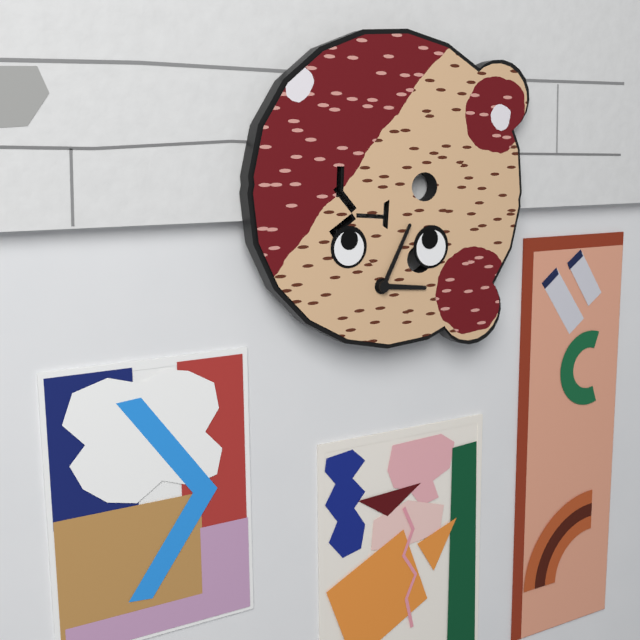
3:04
